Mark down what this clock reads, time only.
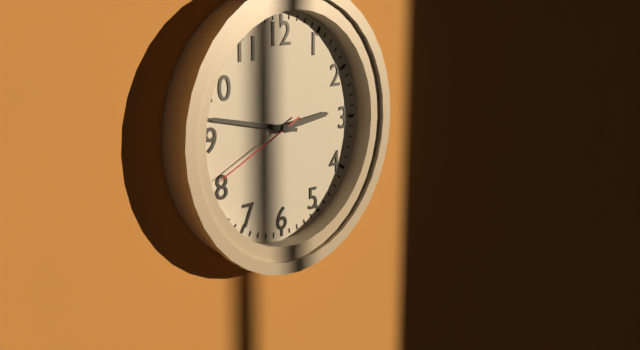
2:47:41
